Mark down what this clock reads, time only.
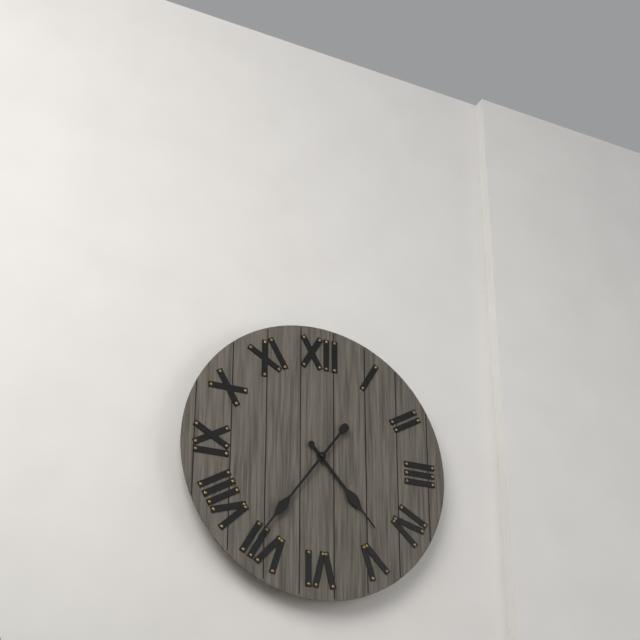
4:36
